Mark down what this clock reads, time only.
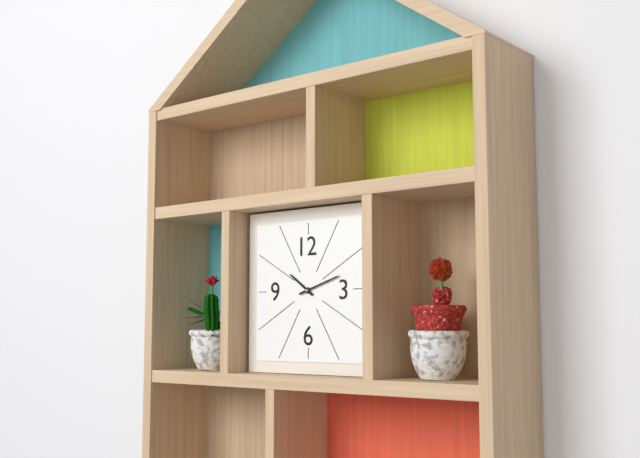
10:12
